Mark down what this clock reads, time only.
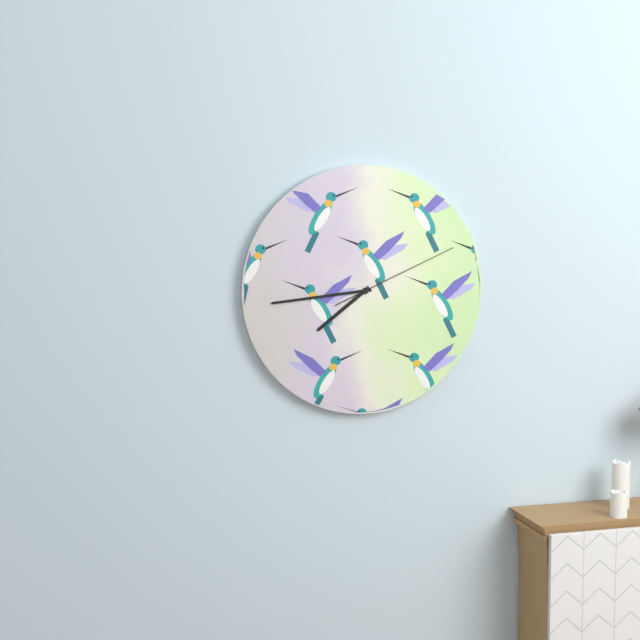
7:44:11
